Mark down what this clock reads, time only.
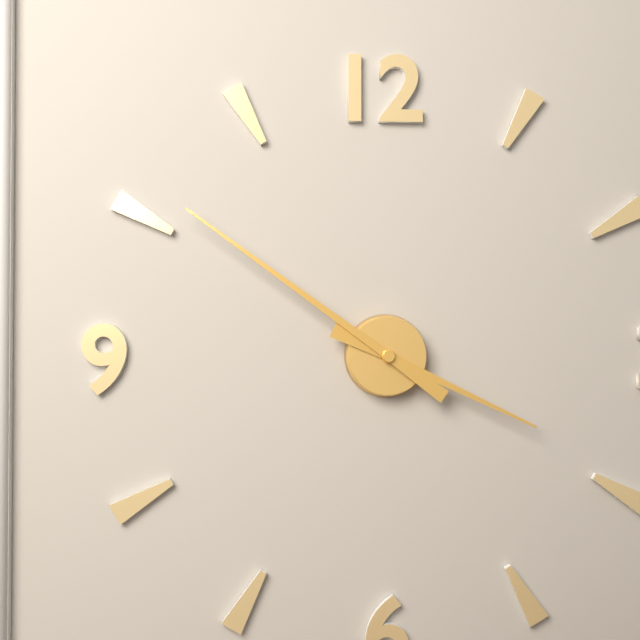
3:51
